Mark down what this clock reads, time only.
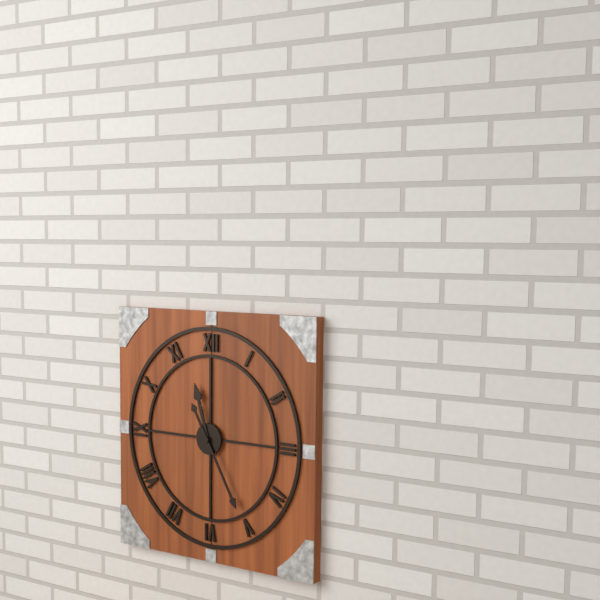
11:25
